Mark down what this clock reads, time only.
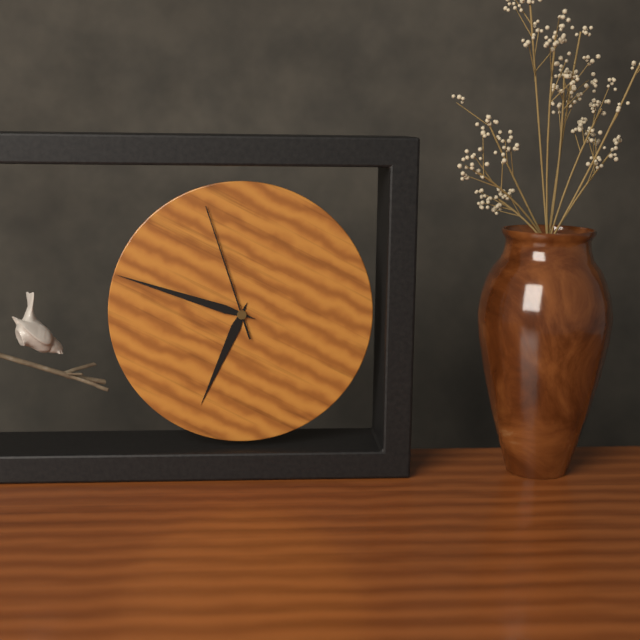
6:48:57
